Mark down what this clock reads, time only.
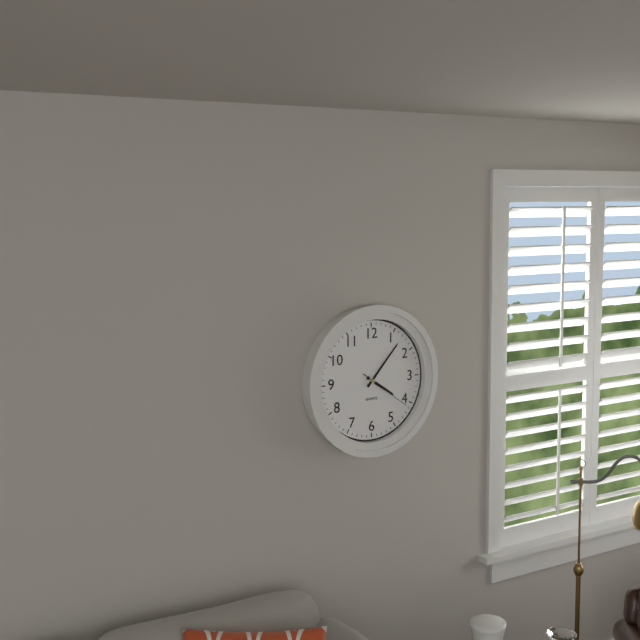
4:07:21
